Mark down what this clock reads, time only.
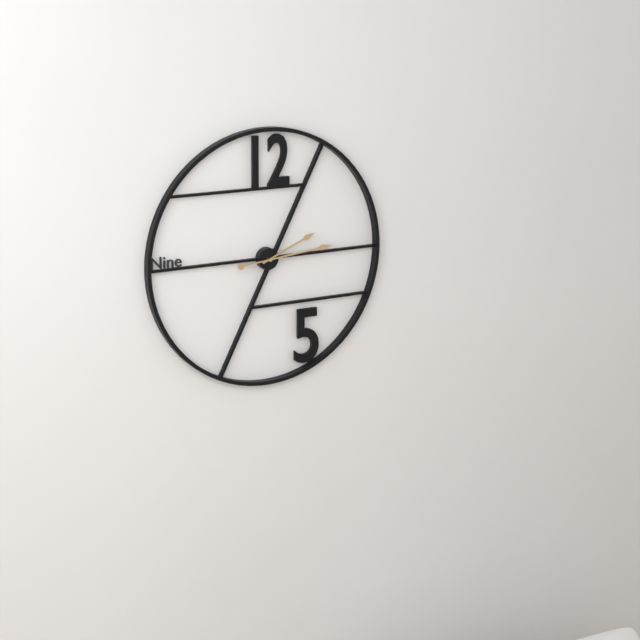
2:14
